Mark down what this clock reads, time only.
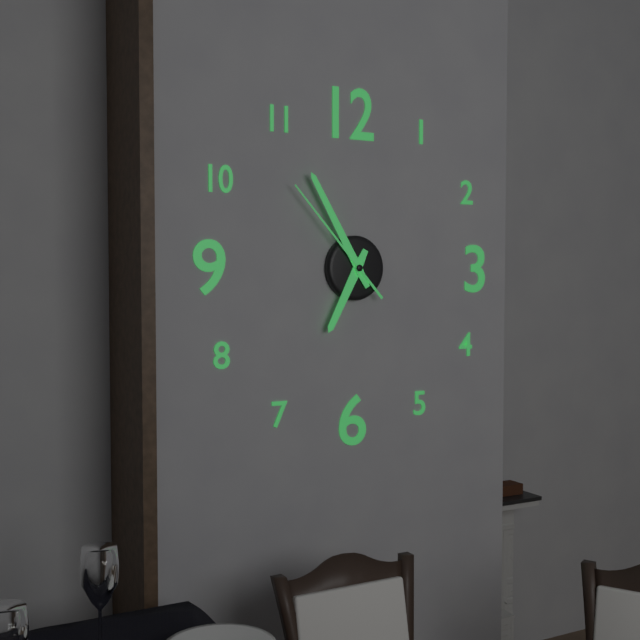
6:55:53
